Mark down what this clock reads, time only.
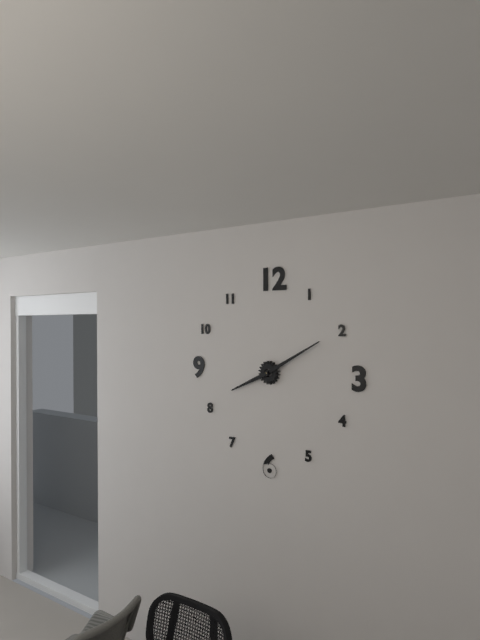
8:10
